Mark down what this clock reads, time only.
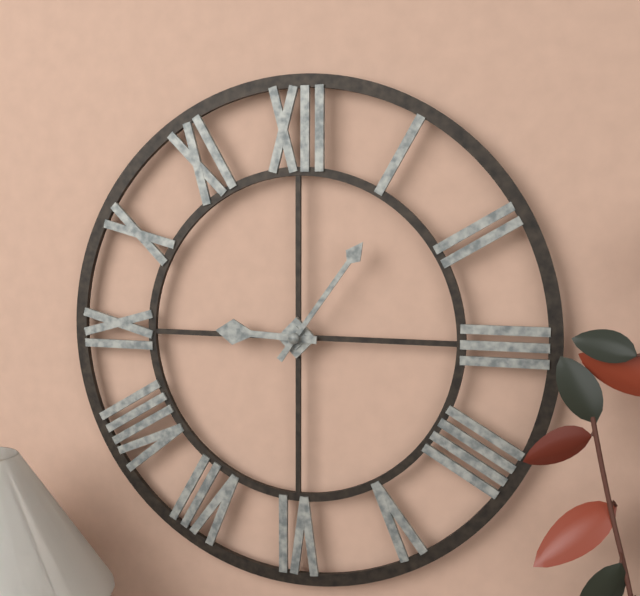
9:06
